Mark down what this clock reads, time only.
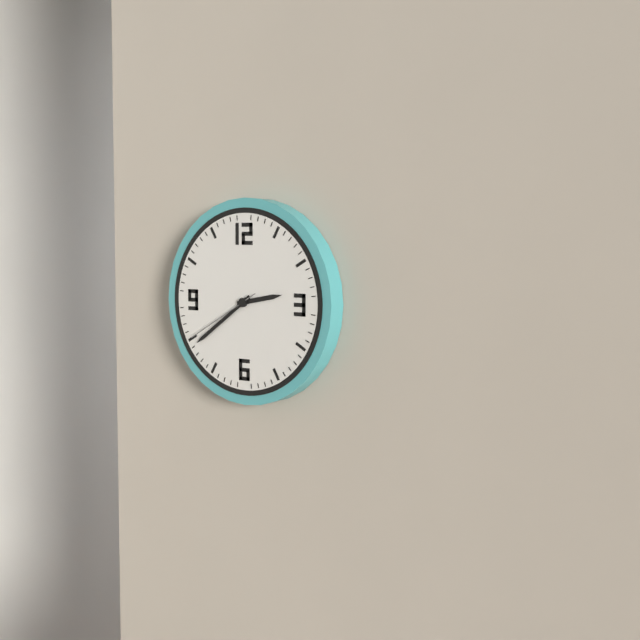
2:39:40
